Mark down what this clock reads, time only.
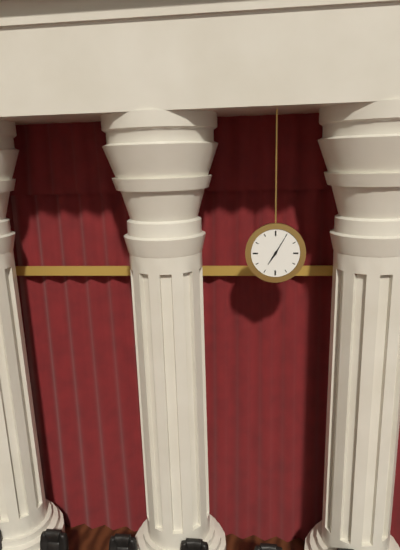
7:05
